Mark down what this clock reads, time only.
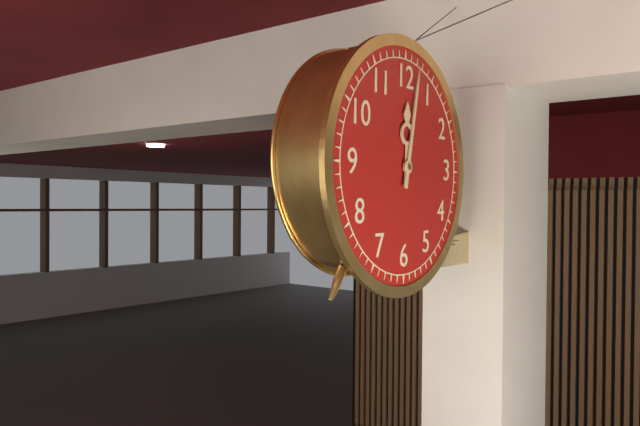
12:02
